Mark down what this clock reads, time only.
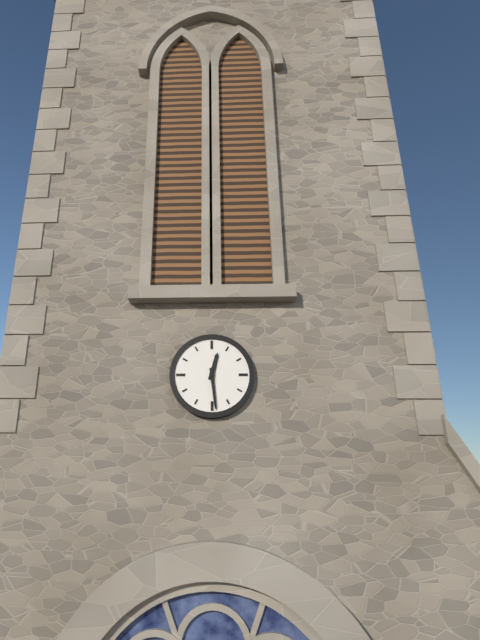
12:29
